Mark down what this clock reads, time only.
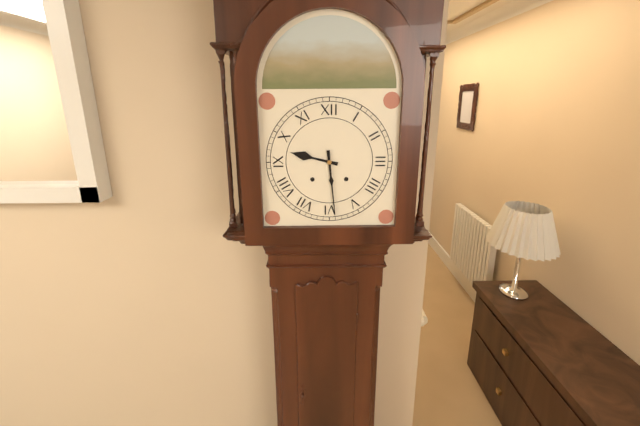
9:29
